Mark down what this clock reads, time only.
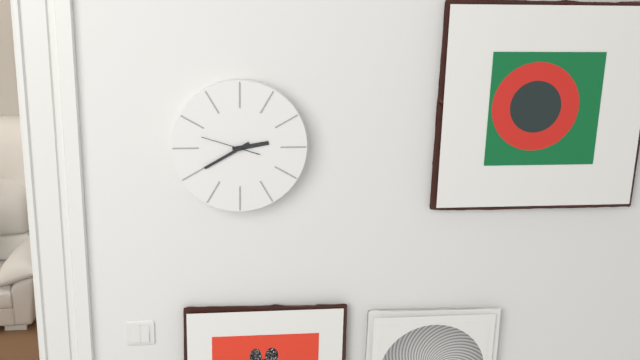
2:40:48
